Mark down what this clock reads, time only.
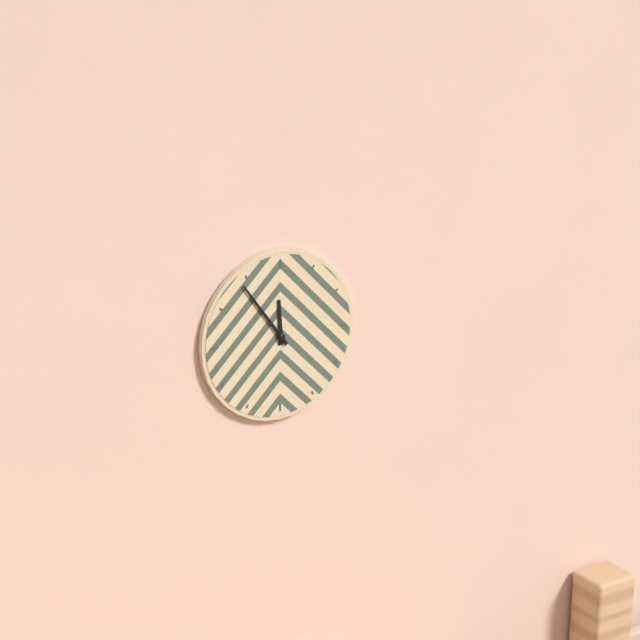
11:54
